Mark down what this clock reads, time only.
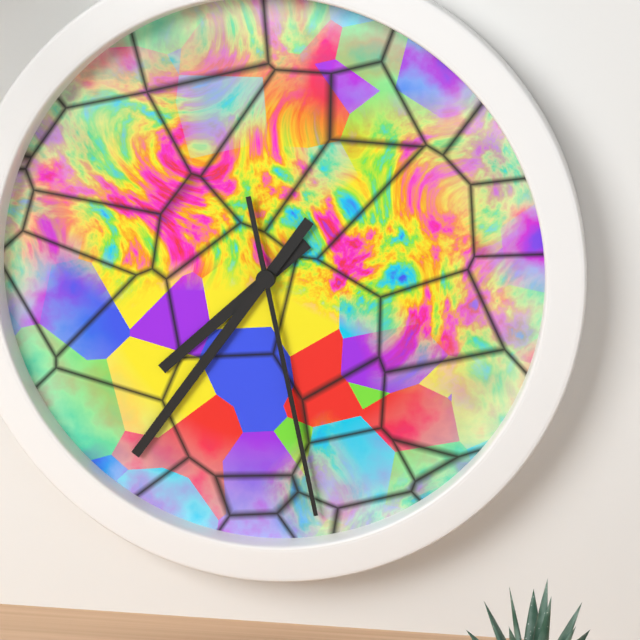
7:36:28
